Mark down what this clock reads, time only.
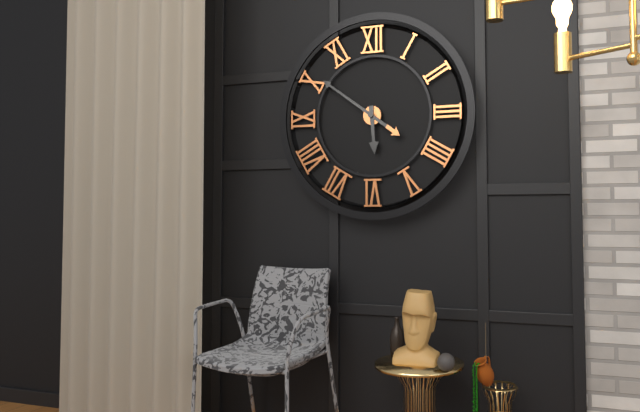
5:51
